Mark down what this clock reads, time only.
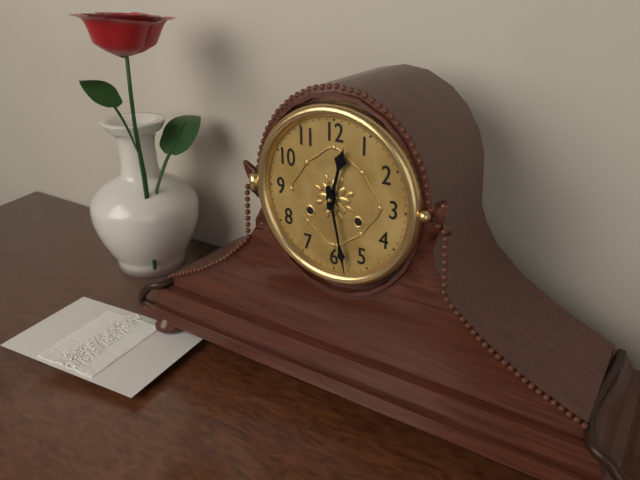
12:28
